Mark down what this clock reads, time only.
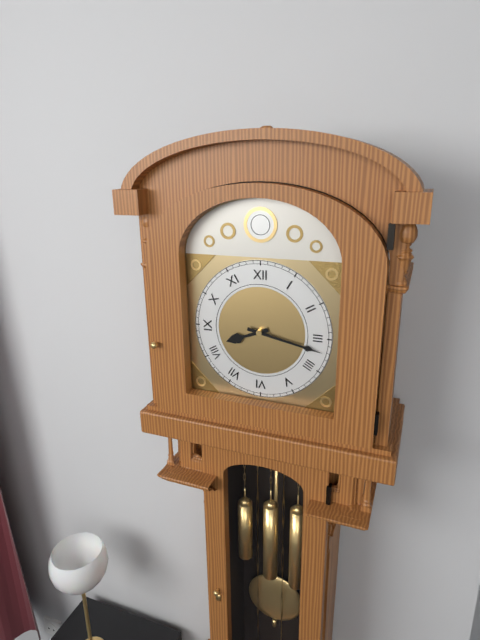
8:17
